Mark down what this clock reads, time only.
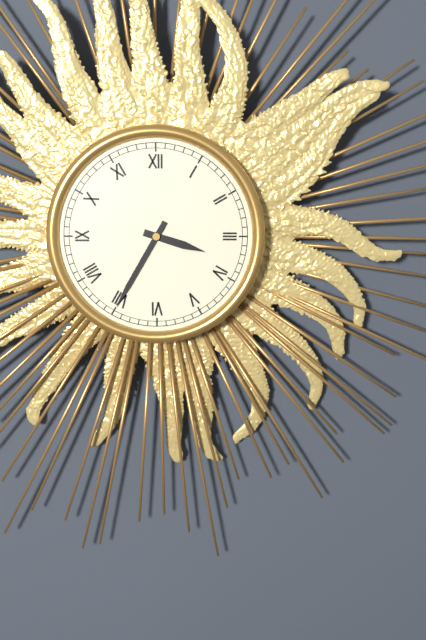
3:35
